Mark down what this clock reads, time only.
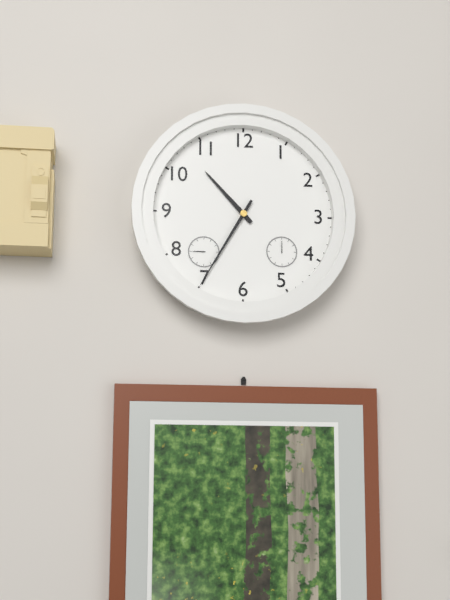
10:35
